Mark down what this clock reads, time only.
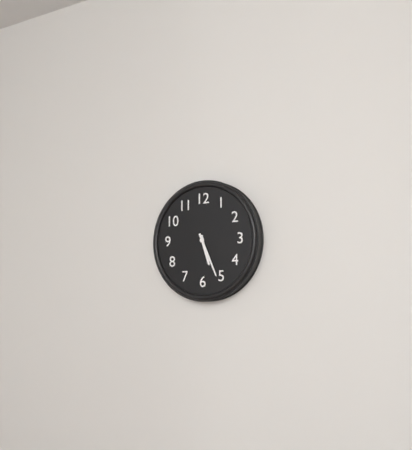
5:26
